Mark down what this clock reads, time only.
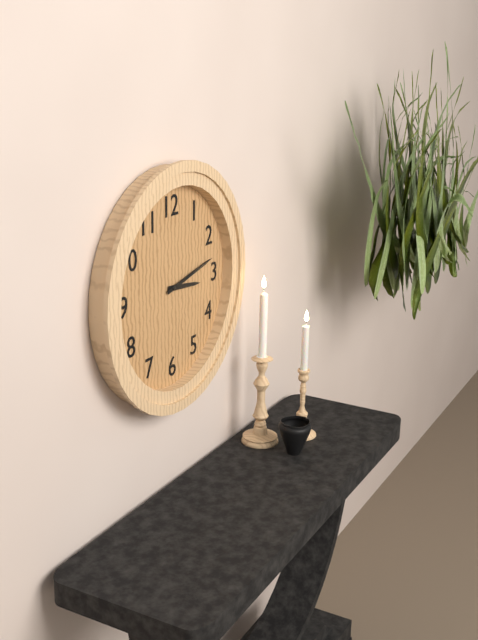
3:13
